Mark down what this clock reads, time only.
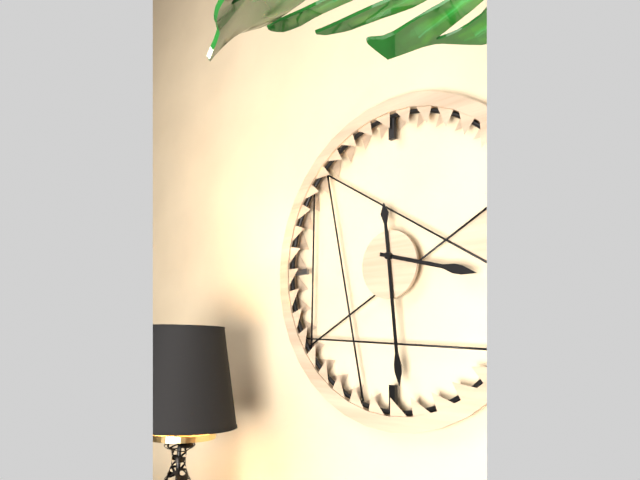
3:29
